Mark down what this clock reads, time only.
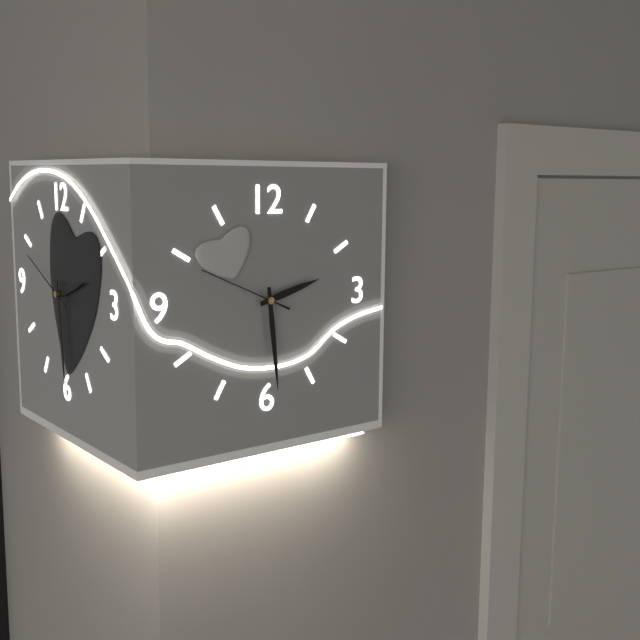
2:29:49
